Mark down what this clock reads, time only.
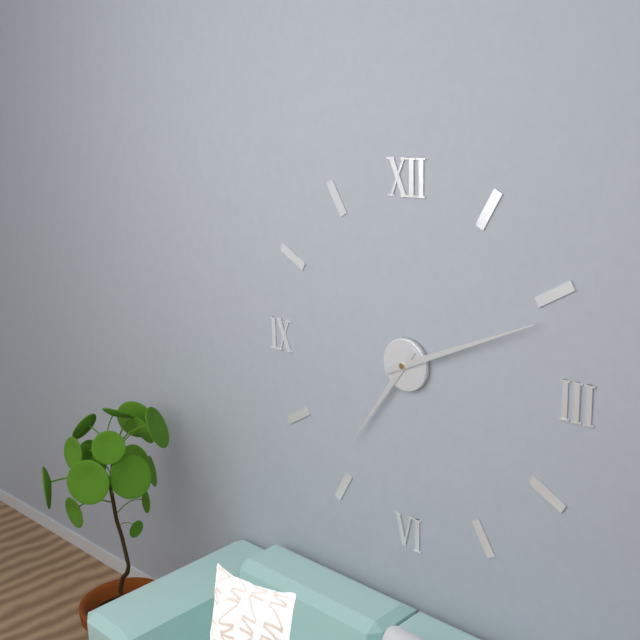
7:11
